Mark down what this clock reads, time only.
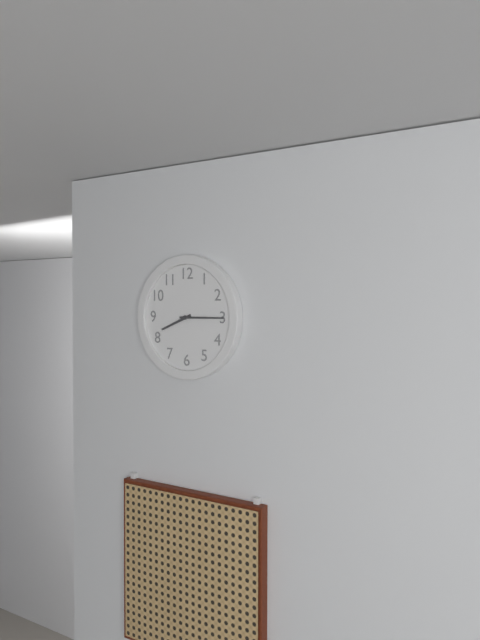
8:15
